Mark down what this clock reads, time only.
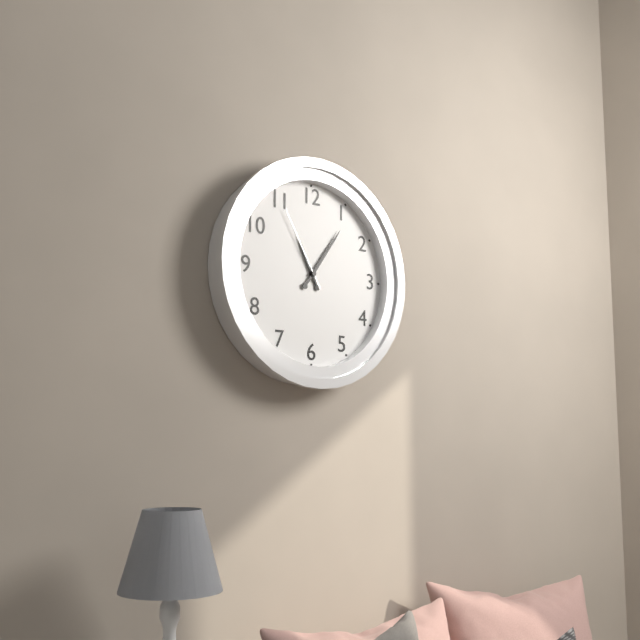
11:06:55
